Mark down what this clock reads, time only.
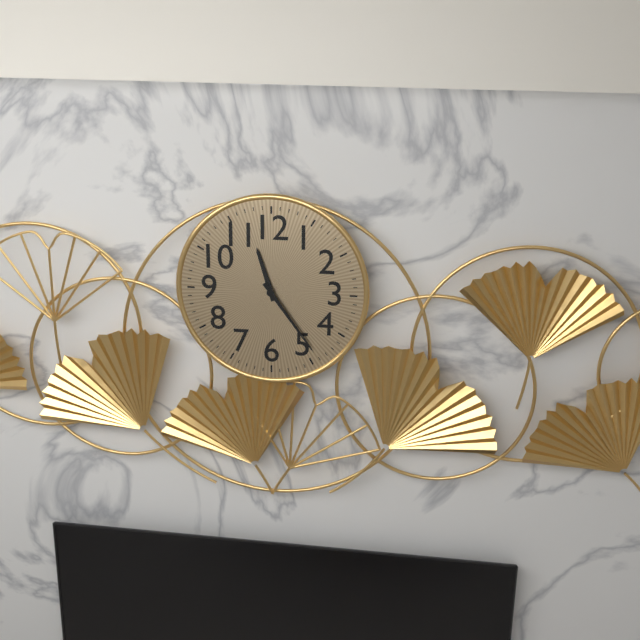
11:24
